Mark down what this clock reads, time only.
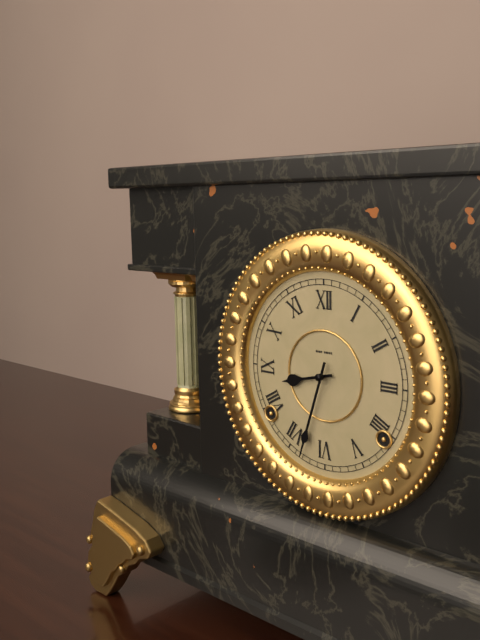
8:33
